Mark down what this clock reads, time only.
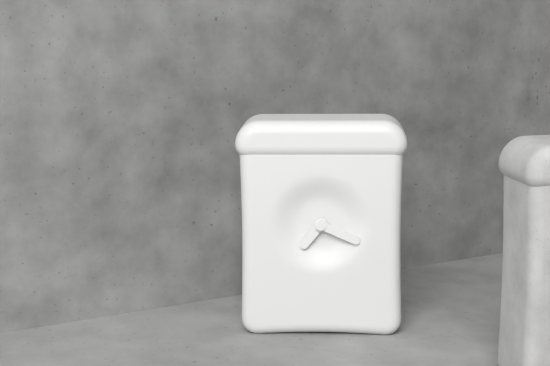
7:19
